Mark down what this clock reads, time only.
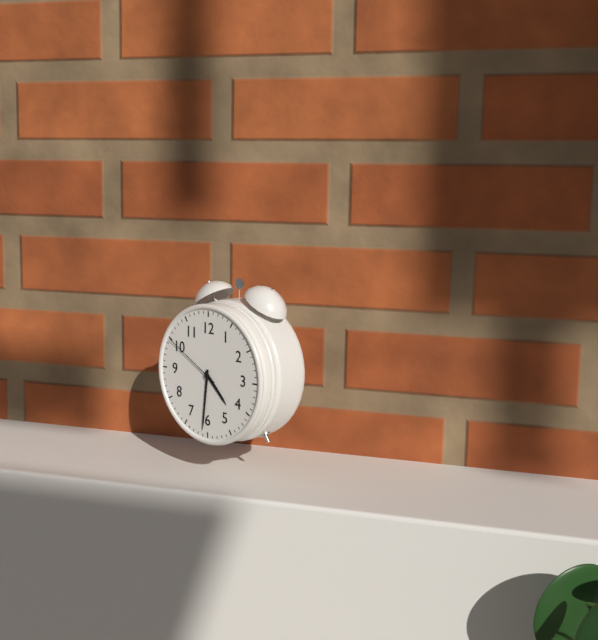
4:31:50
